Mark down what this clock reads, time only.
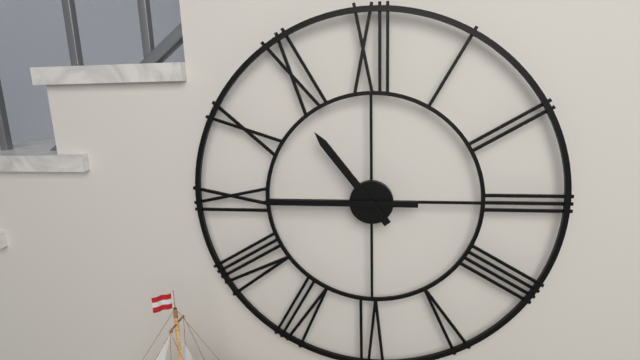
10:45
